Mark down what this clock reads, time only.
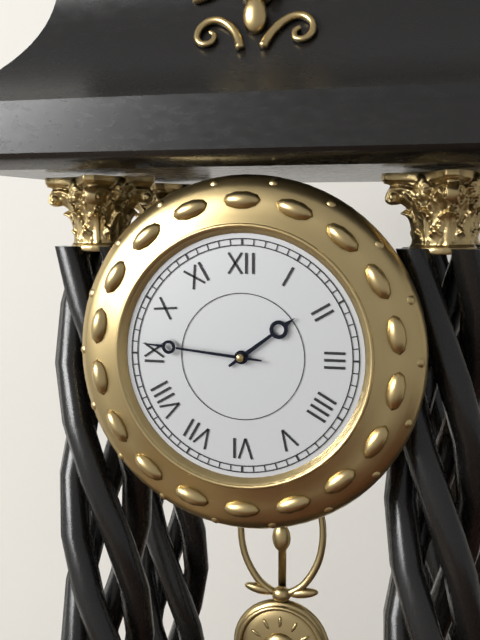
1:46
